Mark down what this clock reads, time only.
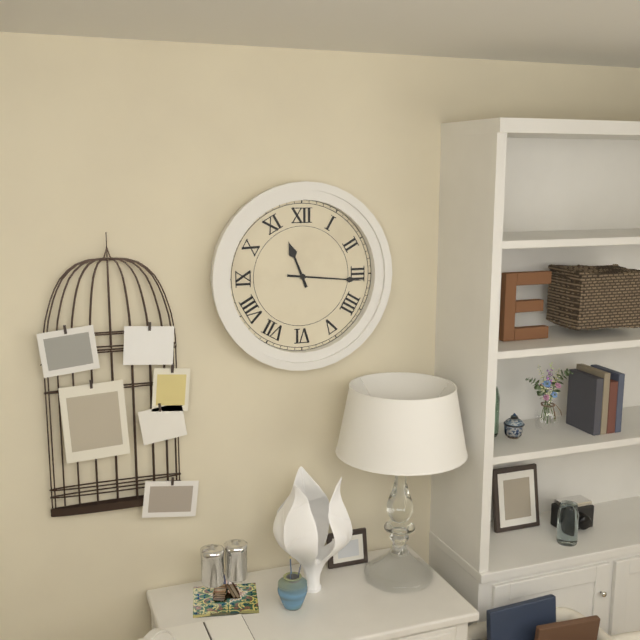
11:16
